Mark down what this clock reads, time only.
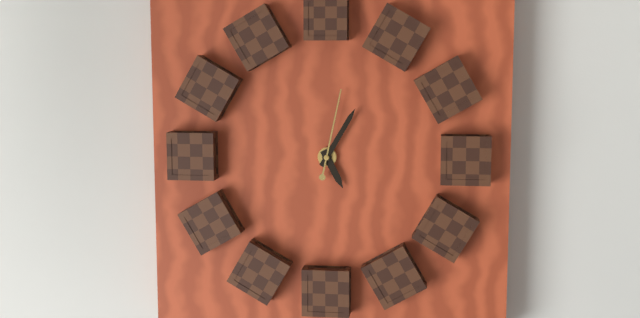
5:05:02
